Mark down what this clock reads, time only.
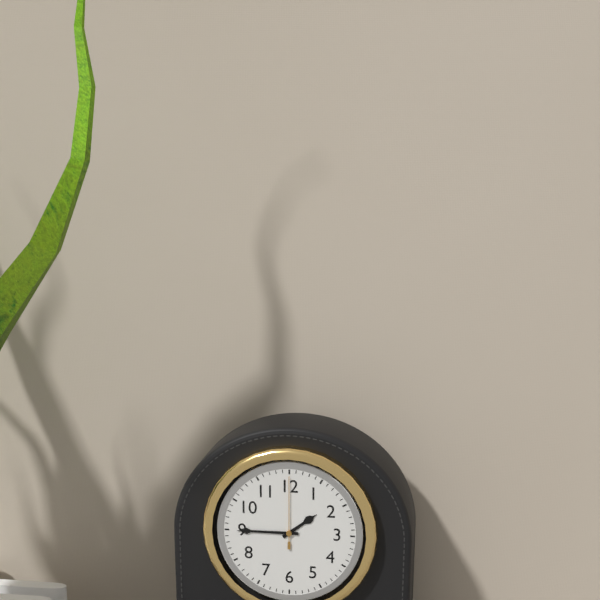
1:45:00
